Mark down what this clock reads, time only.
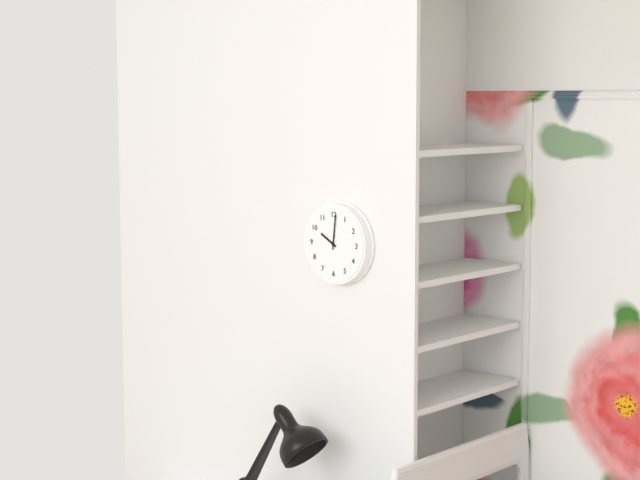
10:01
